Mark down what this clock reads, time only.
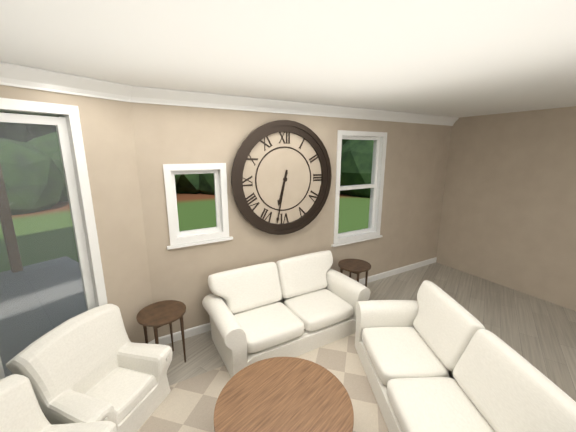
6:32
